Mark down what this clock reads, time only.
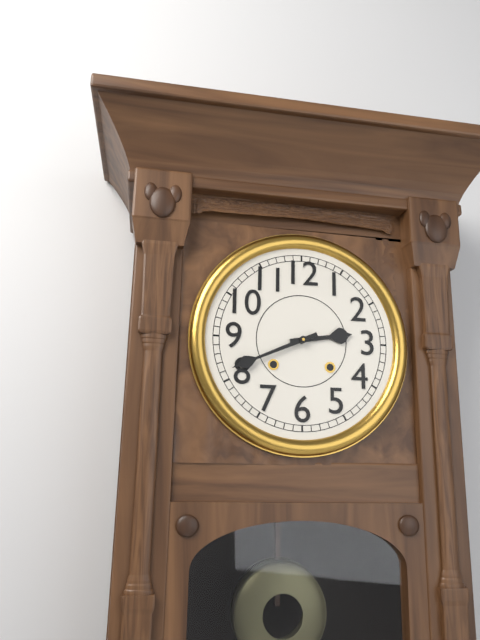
2:41
